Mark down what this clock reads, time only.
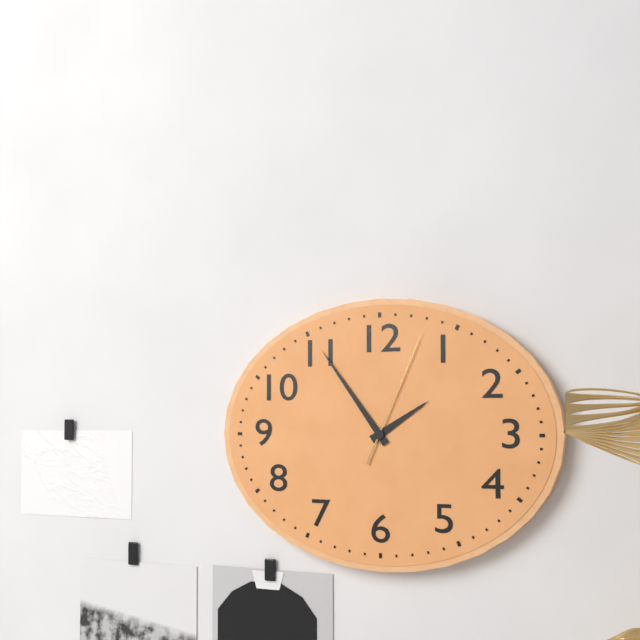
1:54:04
